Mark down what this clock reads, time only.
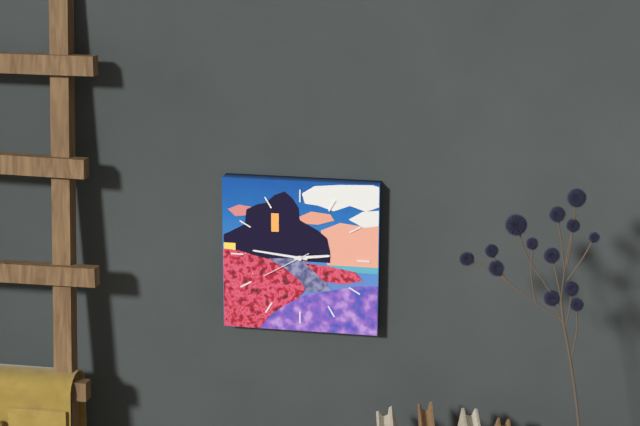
2:46:40
